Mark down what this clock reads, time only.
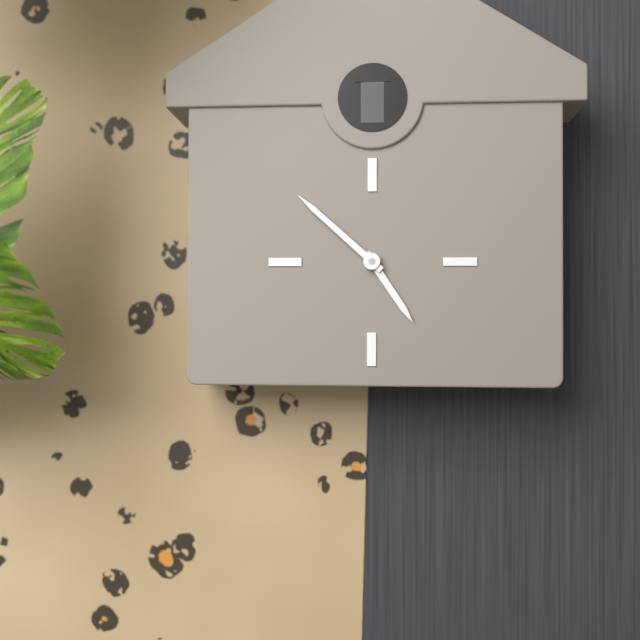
4:52
